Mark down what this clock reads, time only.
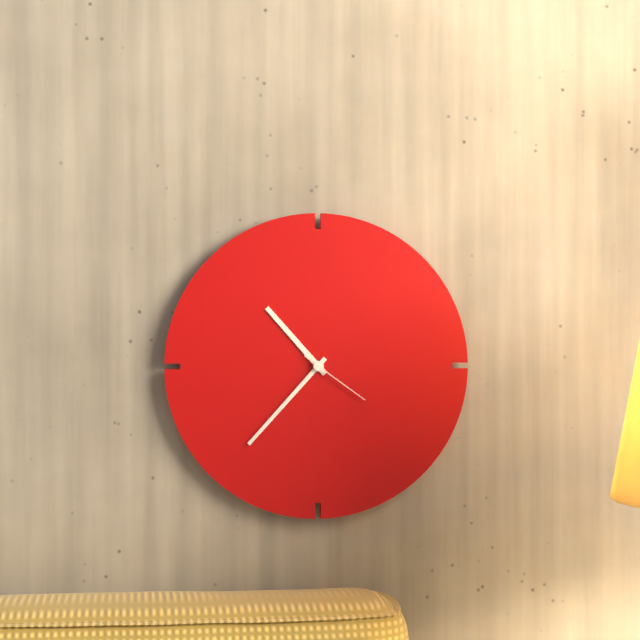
10:37:21
